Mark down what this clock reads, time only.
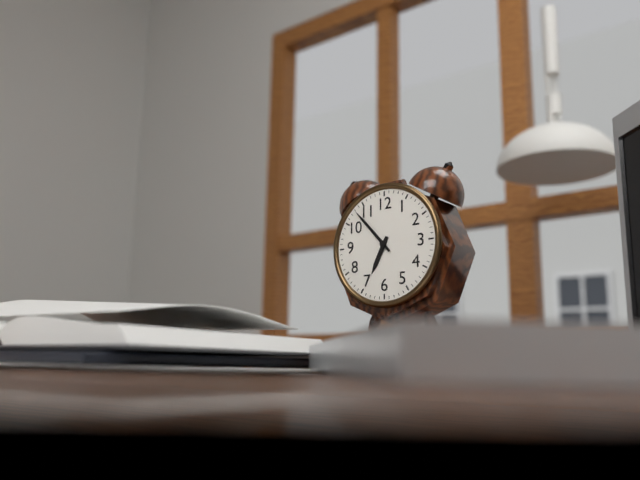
6:53
